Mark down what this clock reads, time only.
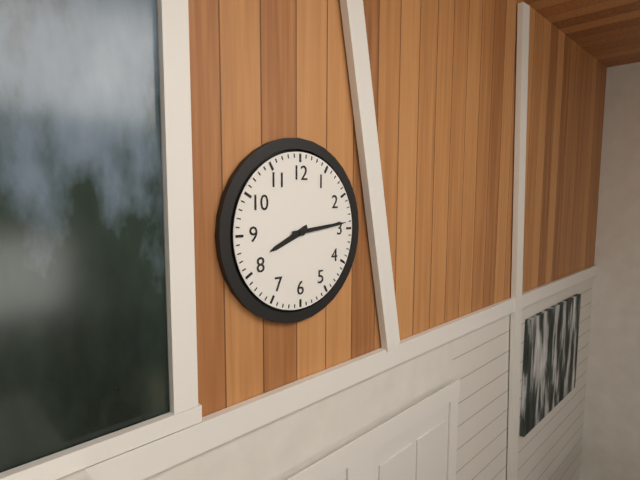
8:14
